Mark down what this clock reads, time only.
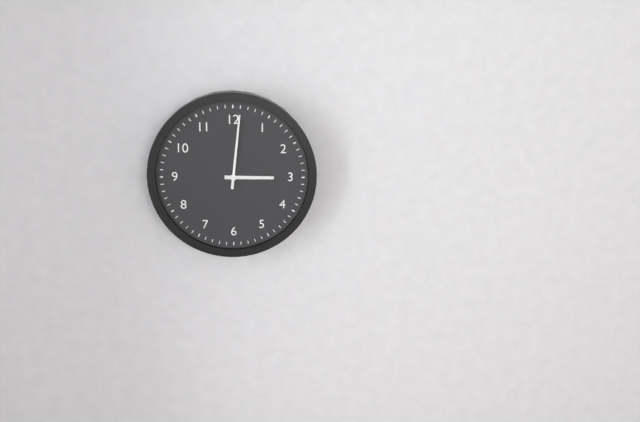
3:01
